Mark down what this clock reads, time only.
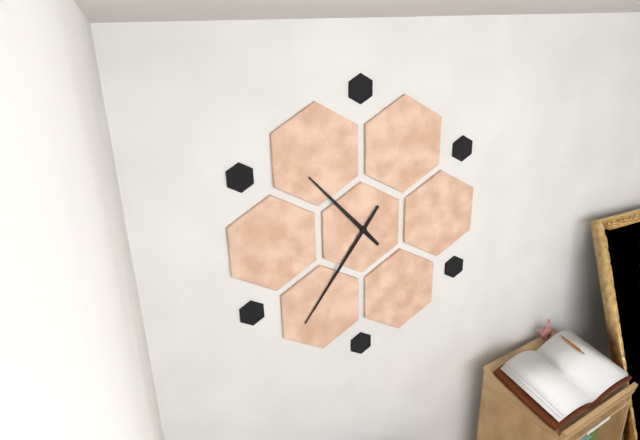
10:36
